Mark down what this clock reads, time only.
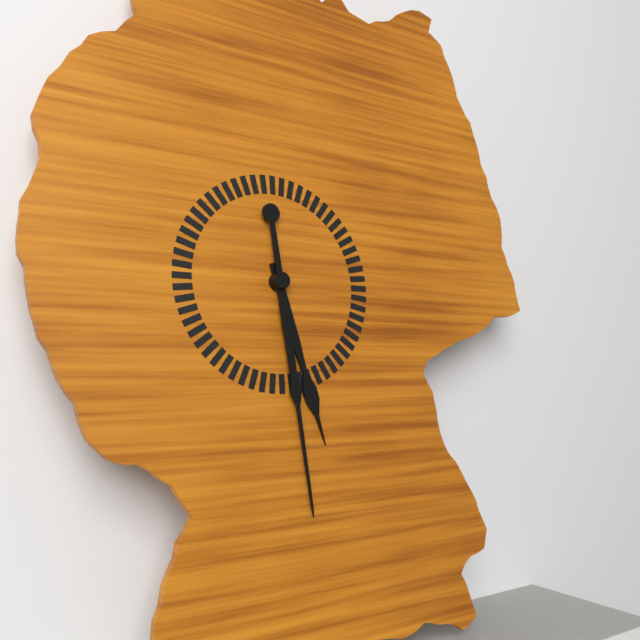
5:29
